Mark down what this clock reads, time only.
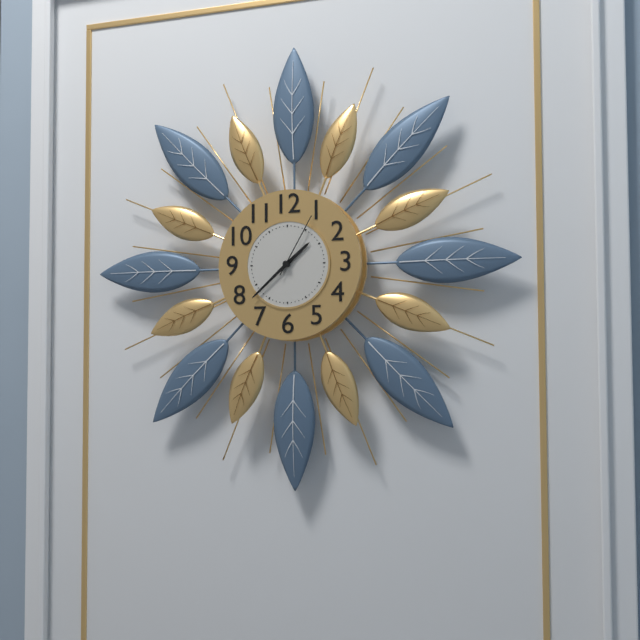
1:38:05
